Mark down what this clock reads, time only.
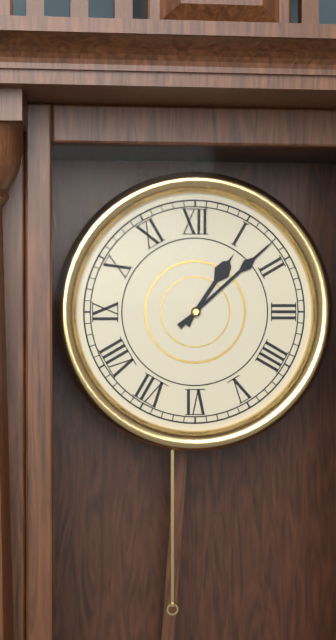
1:08
